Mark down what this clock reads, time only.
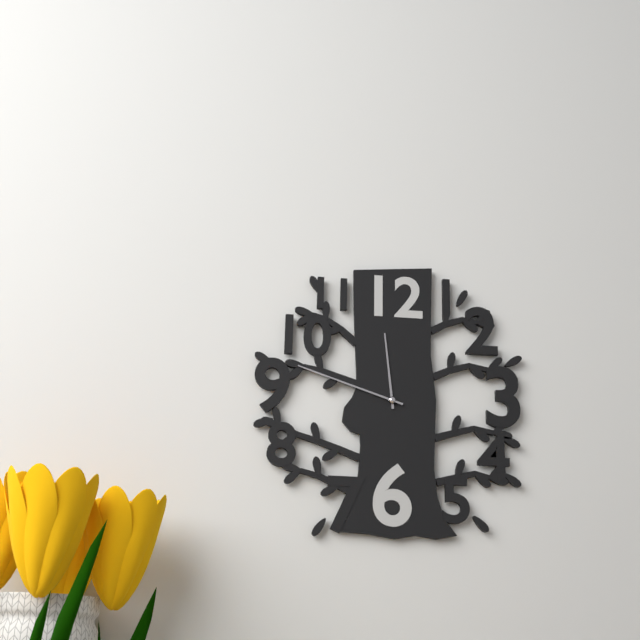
11:48
